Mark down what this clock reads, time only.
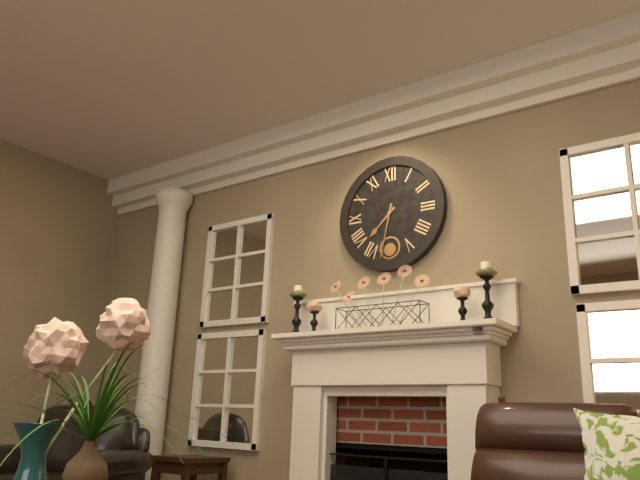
7:32
